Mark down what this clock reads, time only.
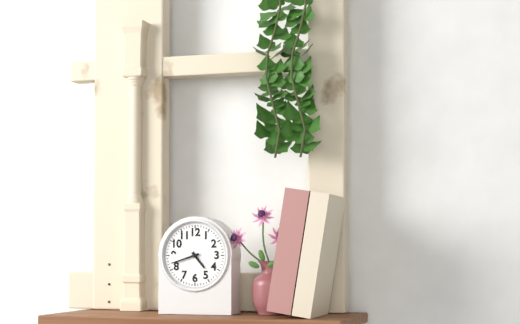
4:42
